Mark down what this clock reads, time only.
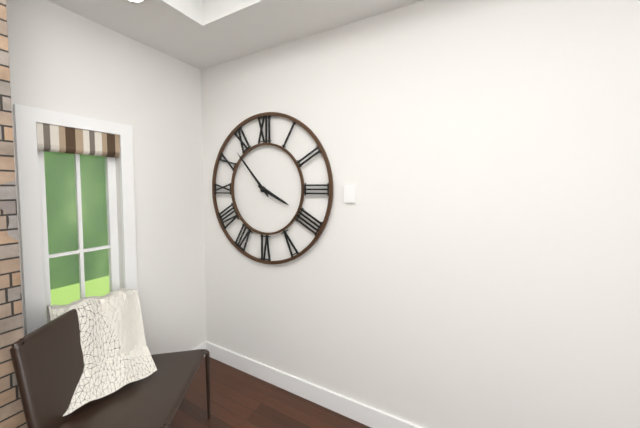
3:53
